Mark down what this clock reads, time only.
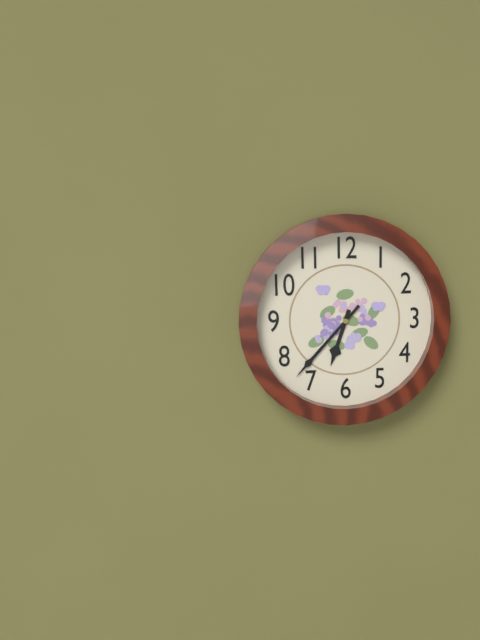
6:37
